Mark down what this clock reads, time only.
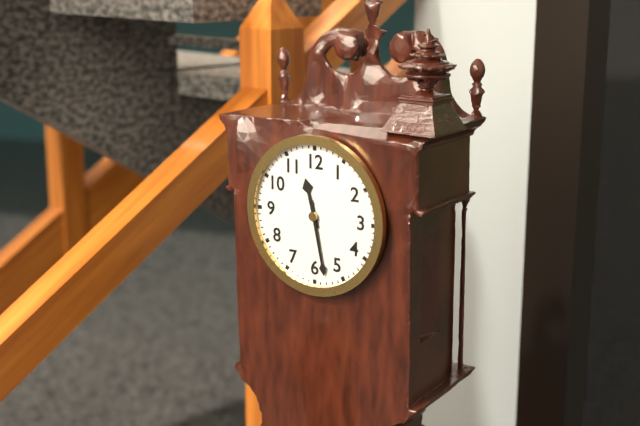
11:28
